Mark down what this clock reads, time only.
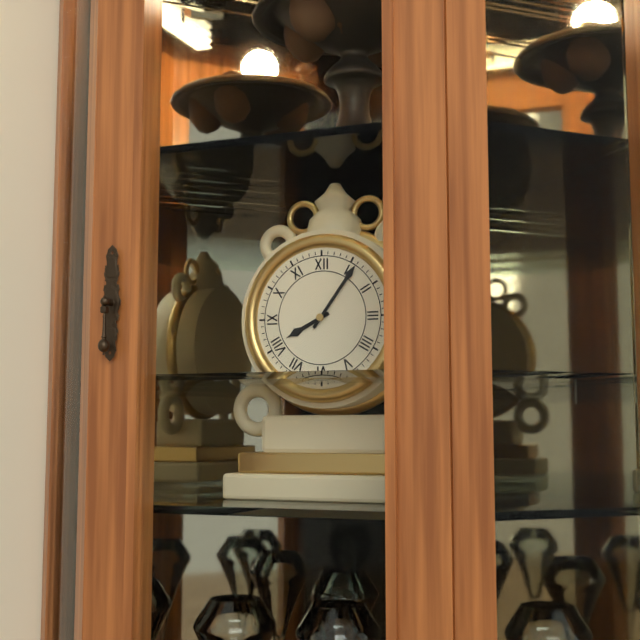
8:06
